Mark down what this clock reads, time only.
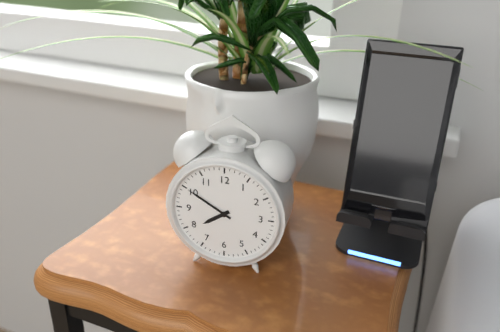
7:50
